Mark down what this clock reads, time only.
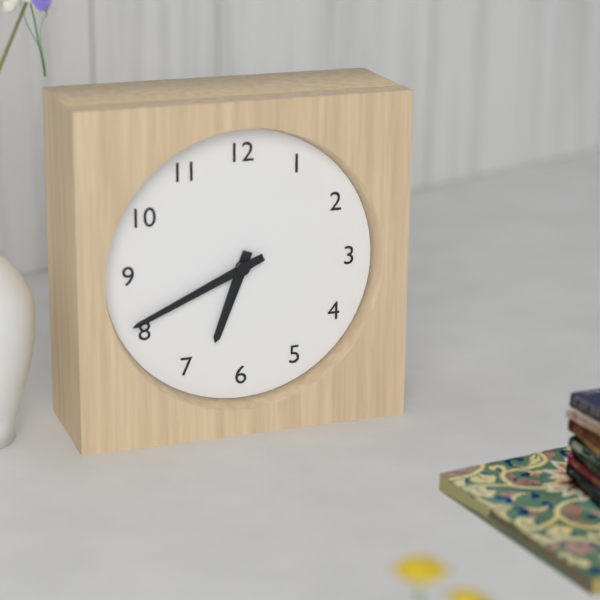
6:41
